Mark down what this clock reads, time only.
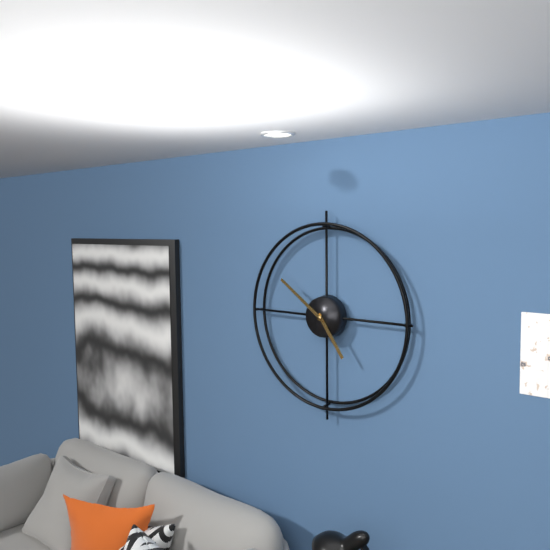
4:51
